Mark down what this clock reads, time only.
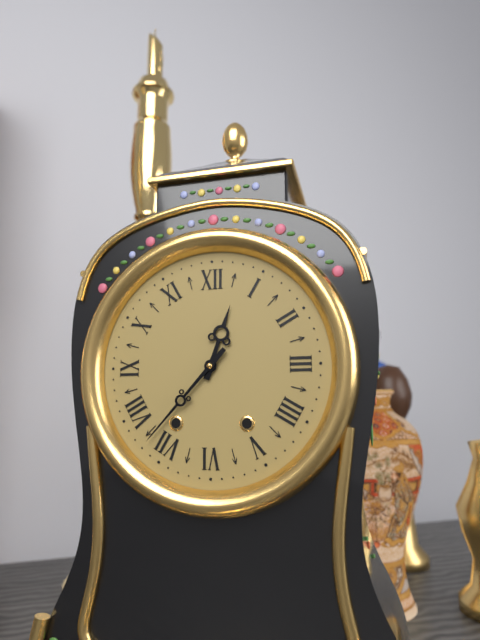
12:37
